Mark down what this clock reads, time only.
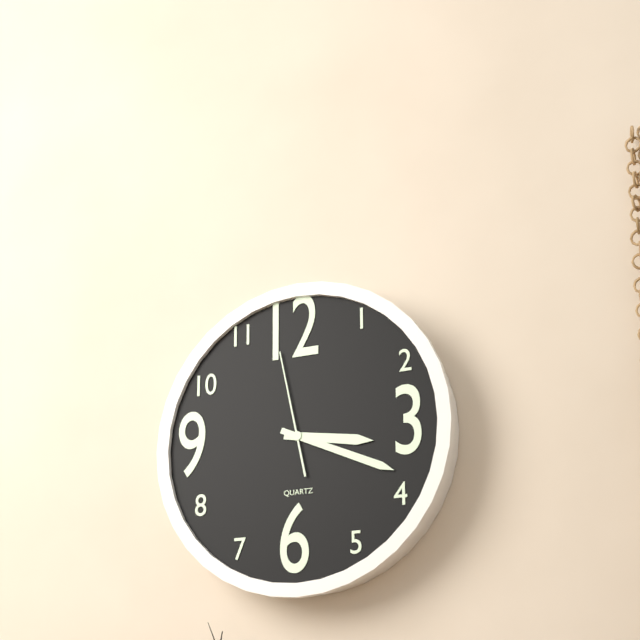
3:19:58
